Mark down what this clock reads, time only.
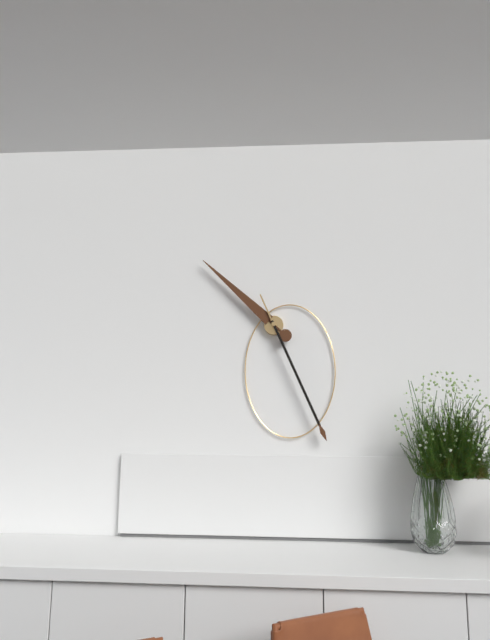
10:26
